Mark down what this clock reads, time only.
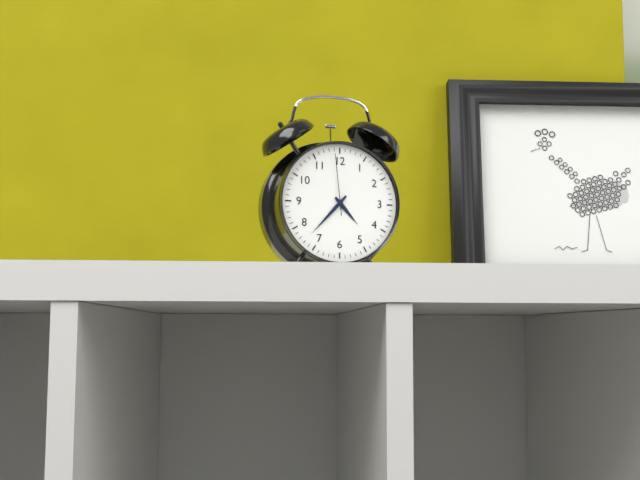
4:37:59
